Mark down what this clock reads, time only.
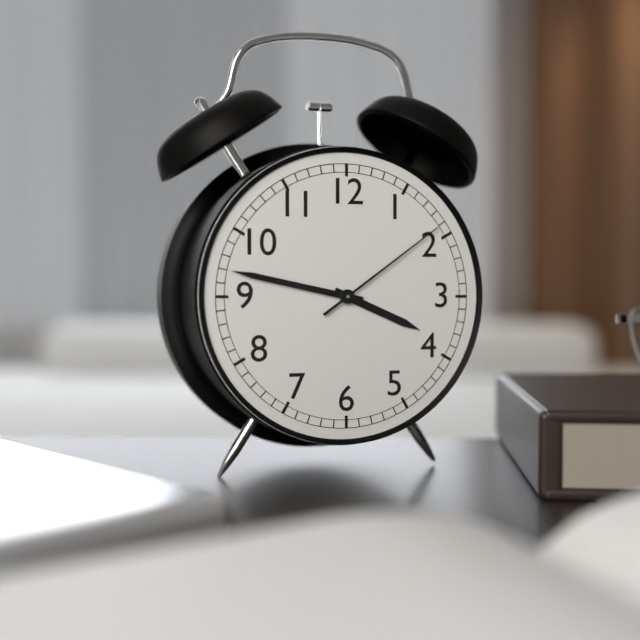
3:47:09
